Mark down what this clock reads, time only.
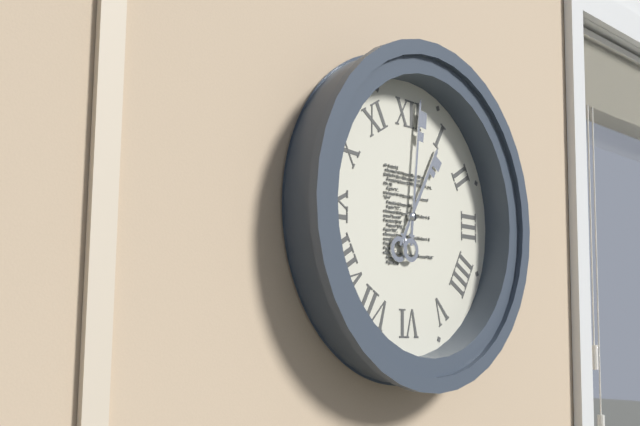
1:01
